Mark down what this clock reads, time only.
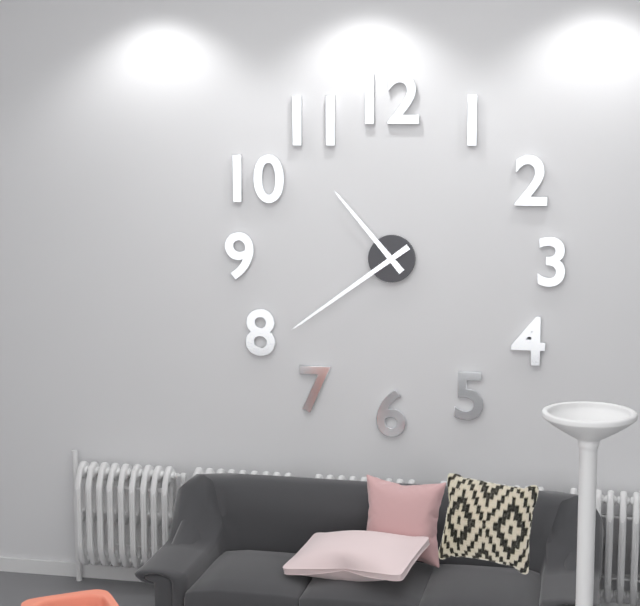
10:39
